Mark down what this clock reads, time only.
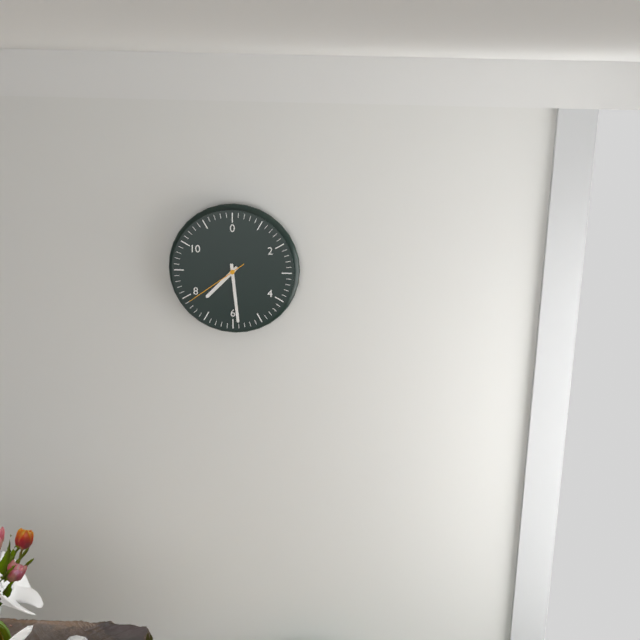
7:29:39
